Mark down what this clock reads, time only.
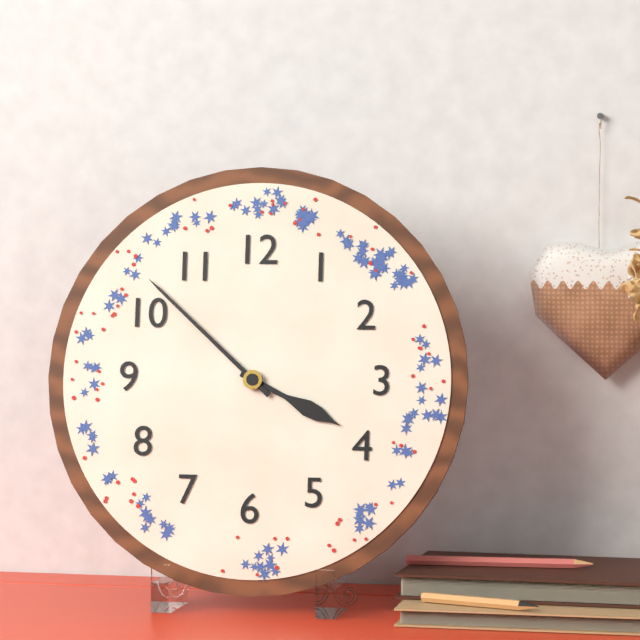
3:52
